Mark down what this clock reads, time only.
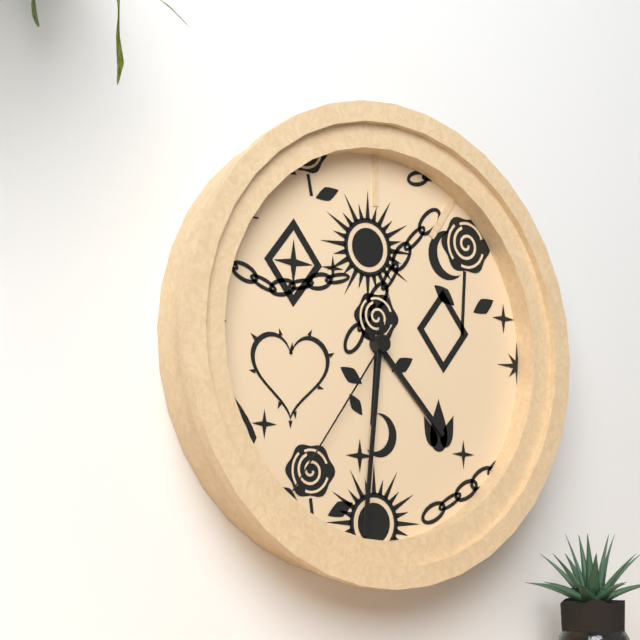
4:31:36
